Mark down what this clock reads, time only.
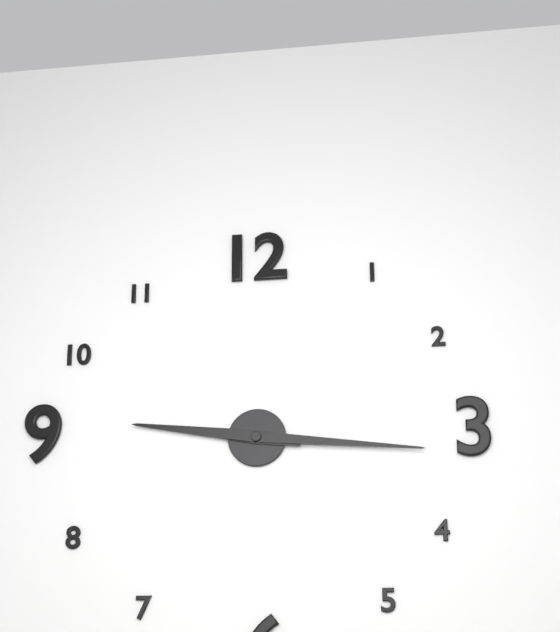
9:16
